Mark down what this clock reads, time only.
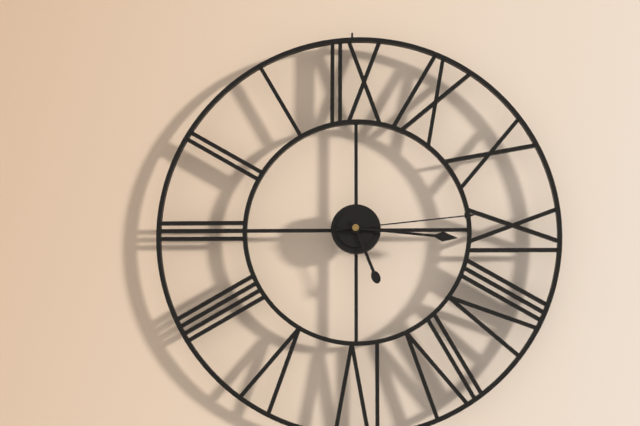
5:16:14
